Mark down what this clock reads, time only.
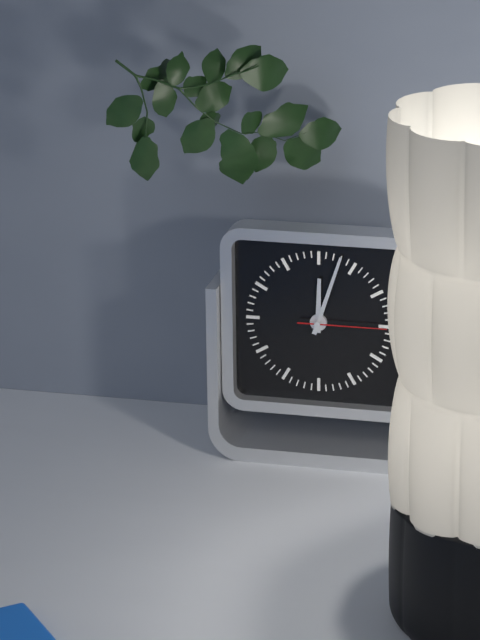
12:03:15
